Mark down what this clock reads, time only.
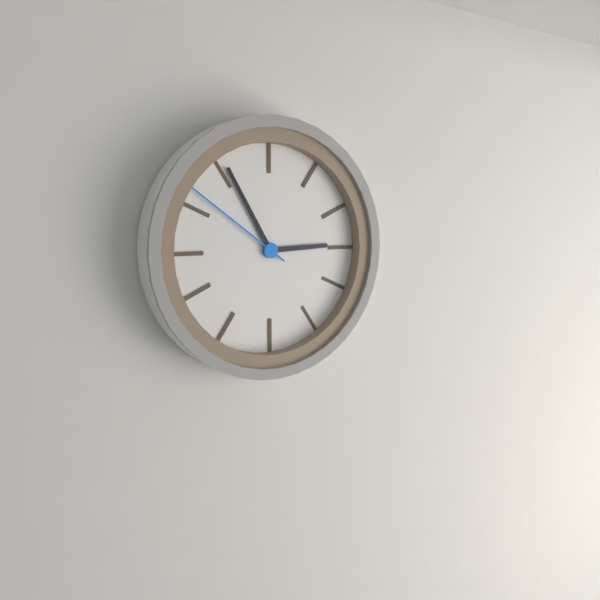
2:55:51
